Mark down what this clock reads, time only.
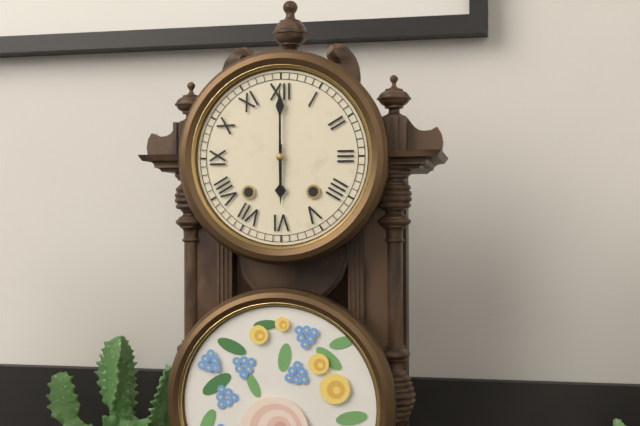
6:00
